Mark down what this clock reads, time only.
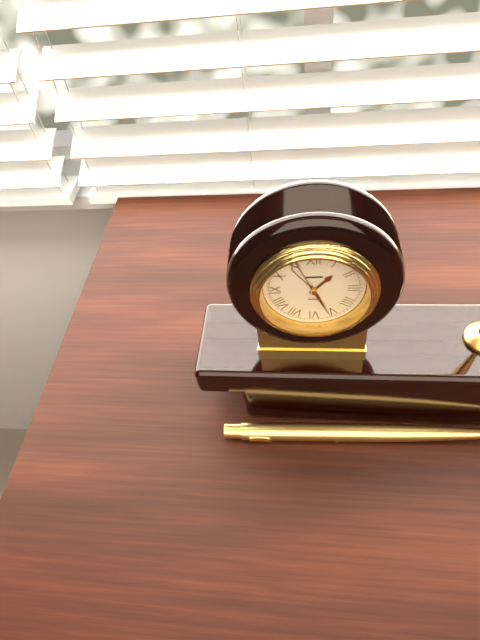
1:26
